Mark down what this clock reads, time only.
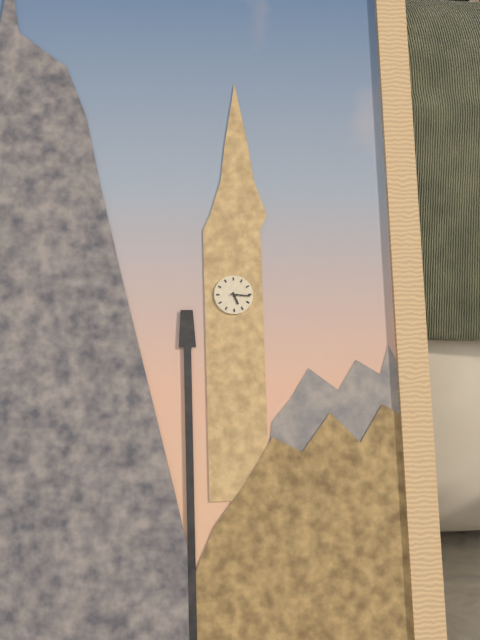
5:16
